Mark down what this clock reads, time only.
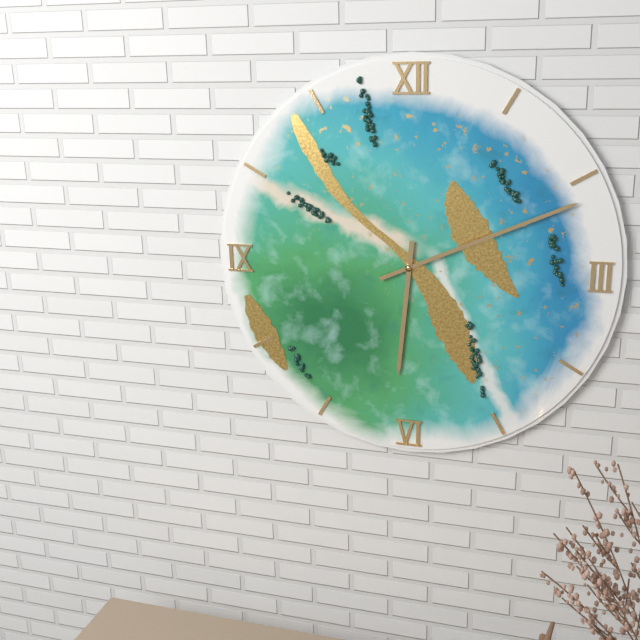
6:11
